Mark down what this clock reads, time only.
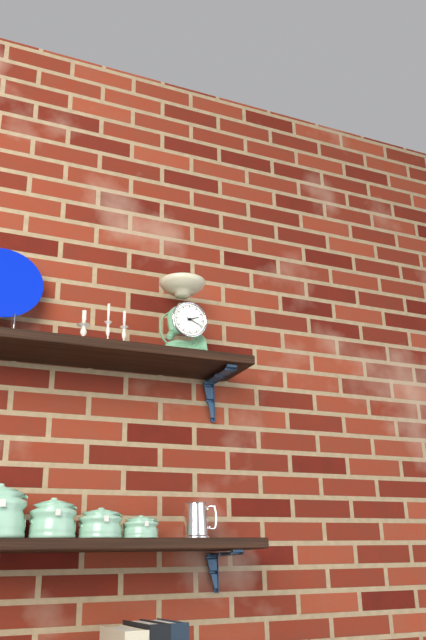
2:19
